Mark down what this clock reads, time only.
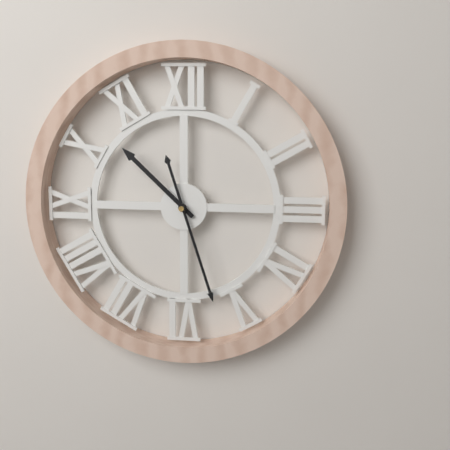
10:27
